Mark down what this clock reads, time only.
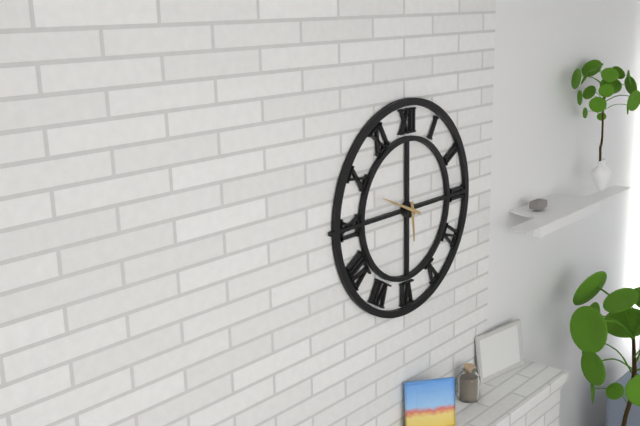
5:49
